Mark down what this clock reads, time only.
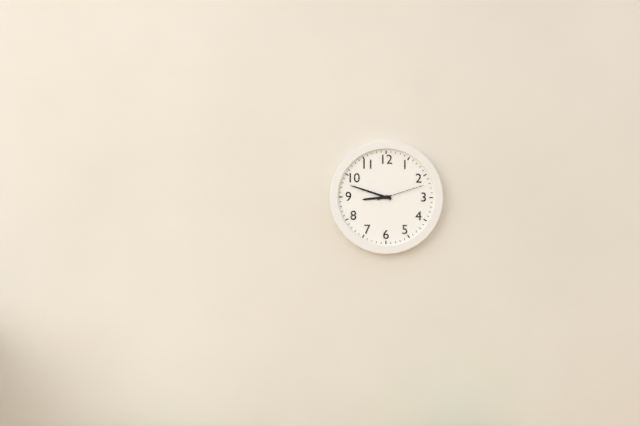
8:48:12
